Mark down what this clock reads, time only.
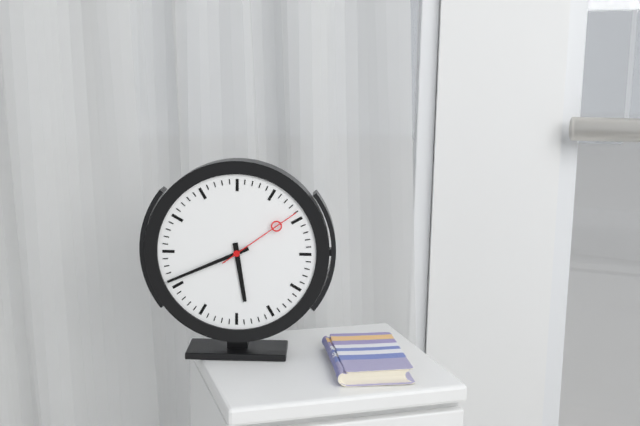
5:41:09
